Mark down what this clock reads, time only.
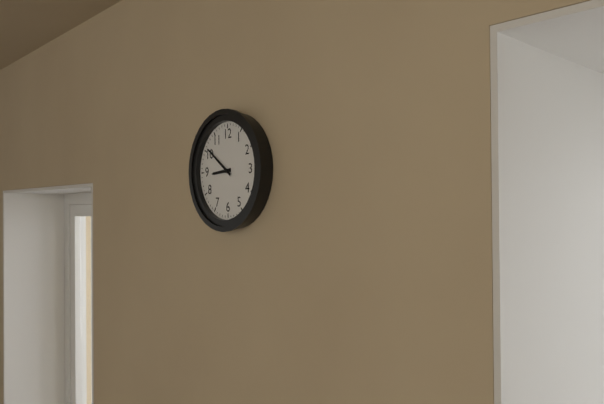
8:51
